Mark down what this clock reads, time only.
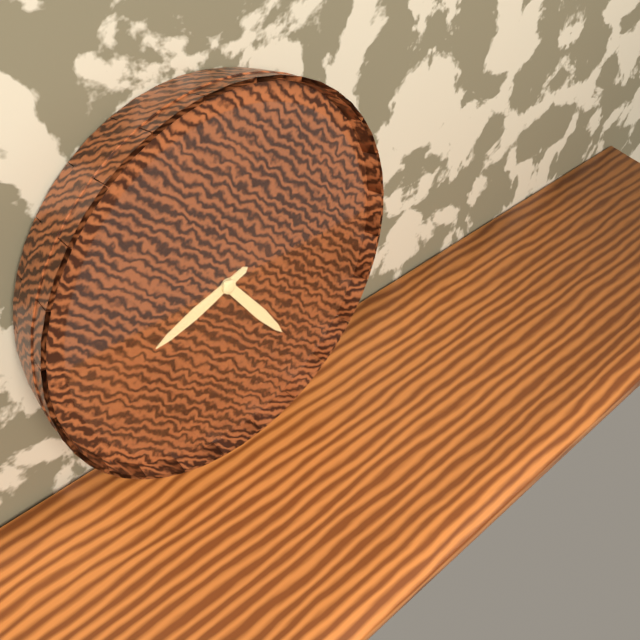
8:24
